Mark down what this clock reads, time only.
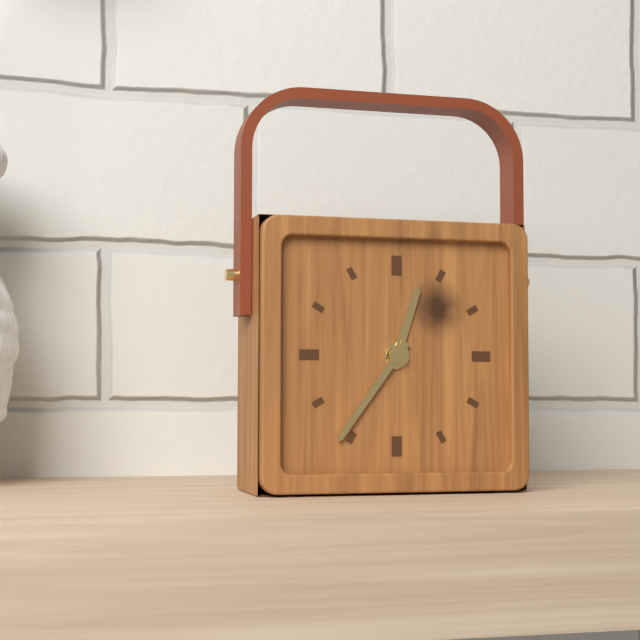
12:36
